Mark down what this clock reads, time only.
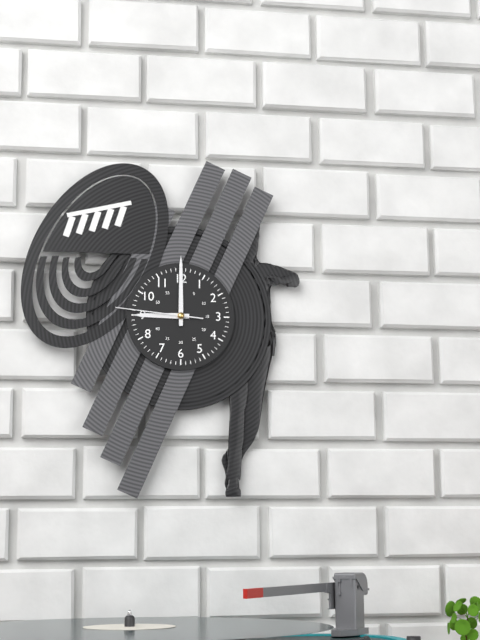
9:00:46
